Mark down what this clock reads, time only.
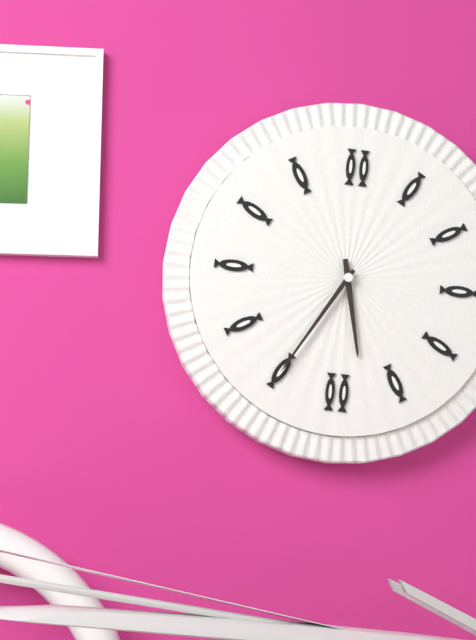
5:35
